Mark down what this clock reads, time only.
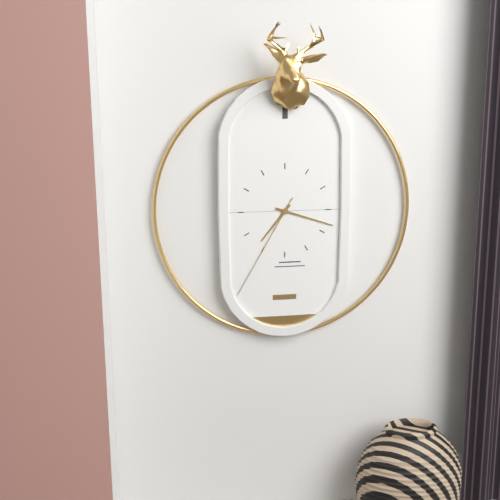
7:18:35
